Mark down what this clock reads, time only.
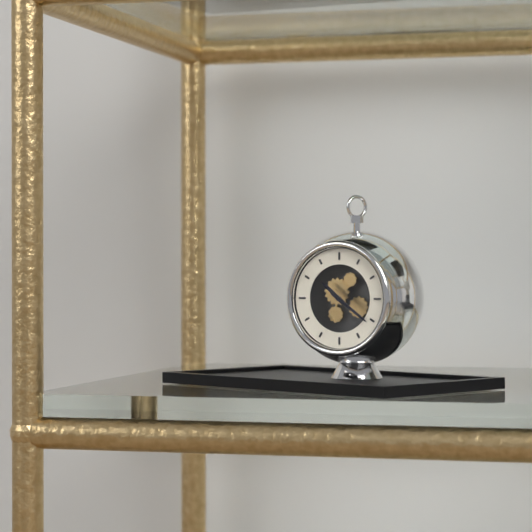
10:21
